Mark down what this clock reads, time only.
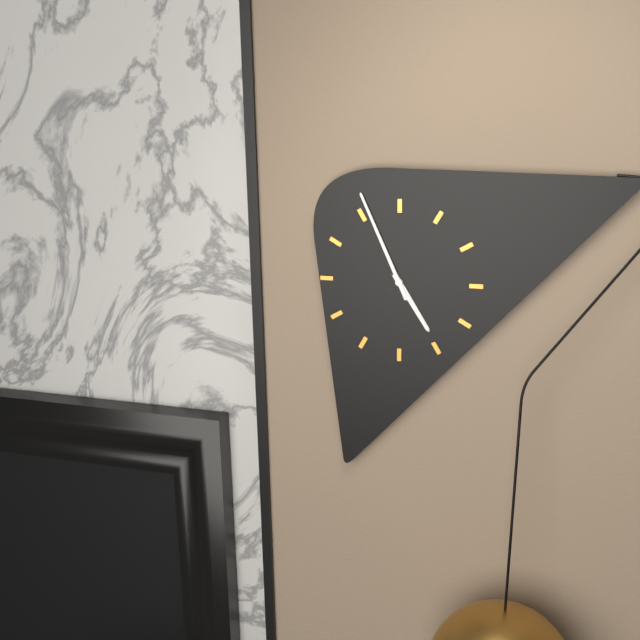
4:56
